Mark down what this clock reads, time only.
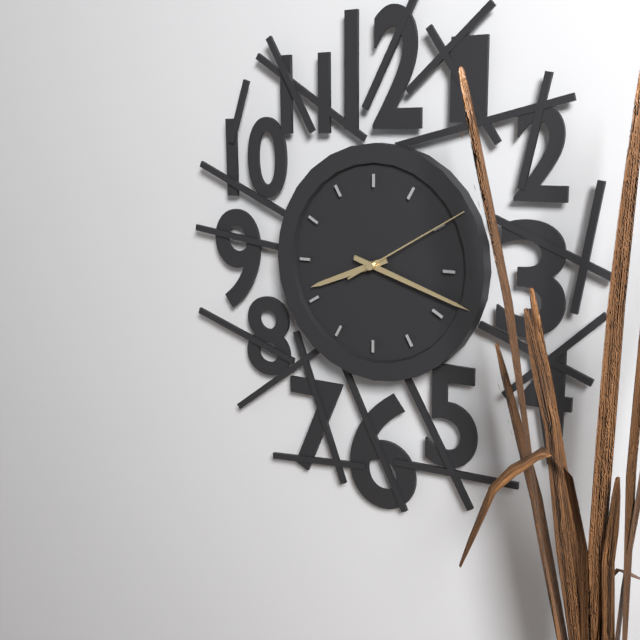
8:18:10
